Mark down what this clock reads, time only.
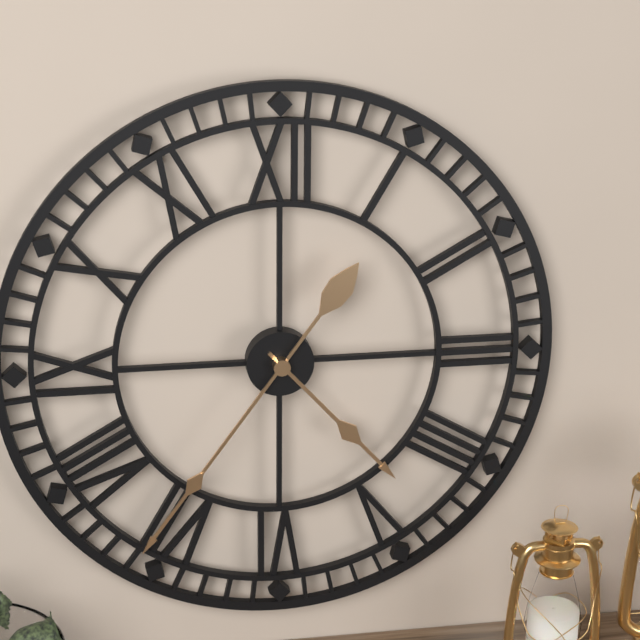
4:36
